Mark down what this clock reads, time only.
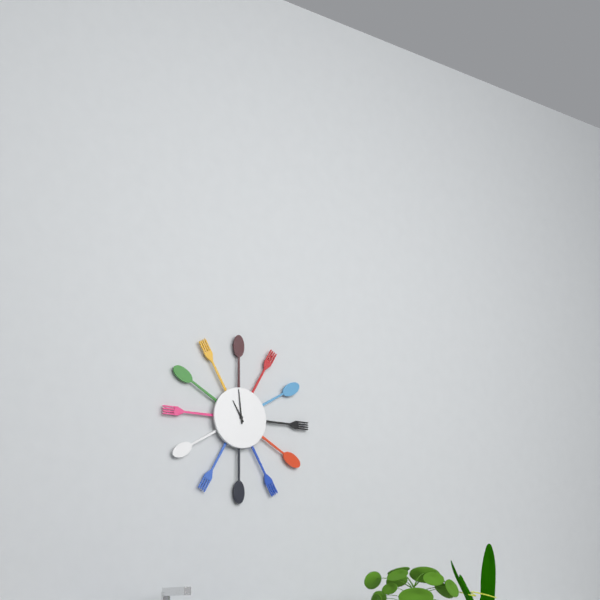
10:59
